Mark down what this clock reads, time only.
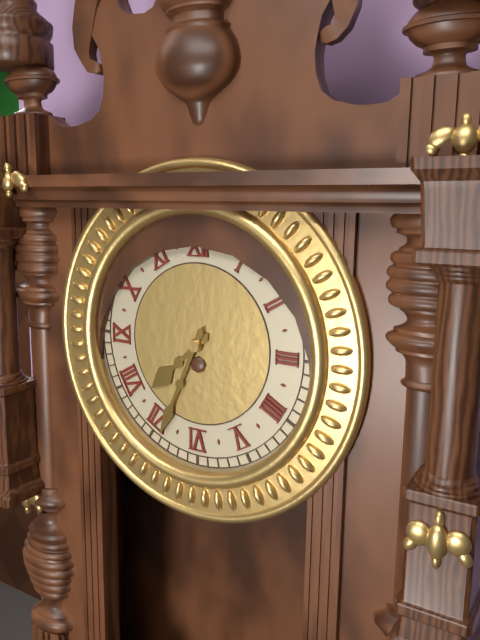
7:34
